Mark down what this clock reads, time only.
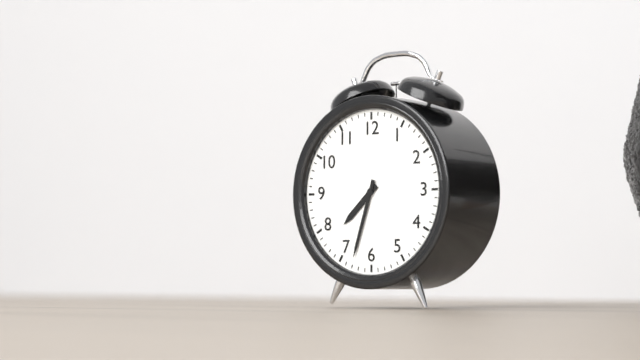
7:33
